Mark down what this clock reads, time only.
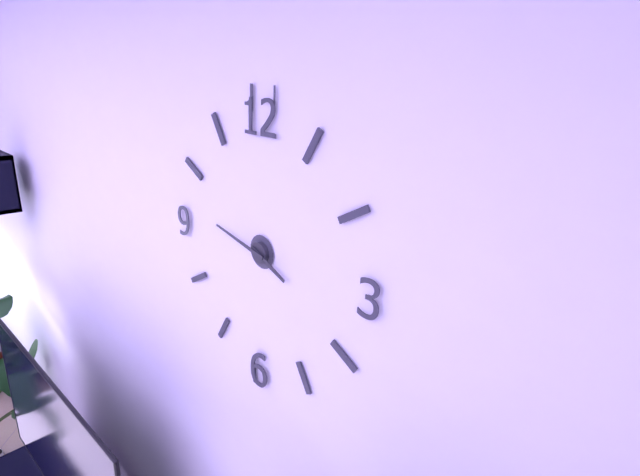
3:47
